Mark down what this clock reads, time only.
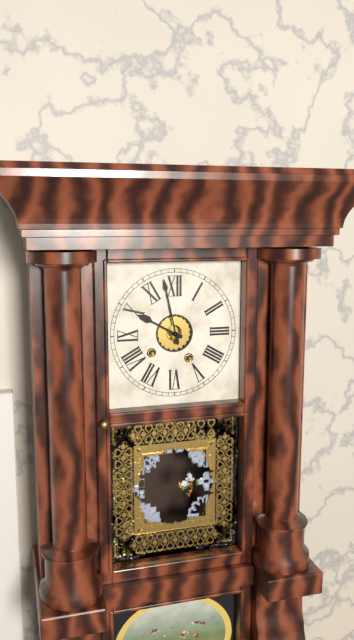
9:58
